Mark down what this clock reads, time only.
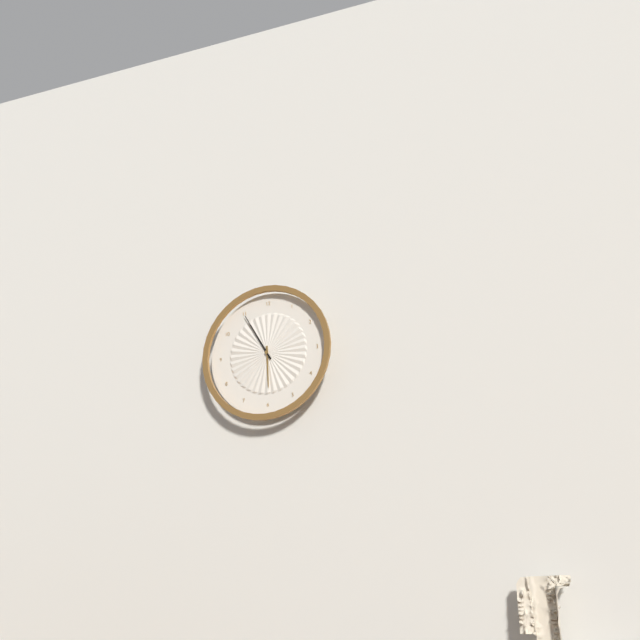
5:55
